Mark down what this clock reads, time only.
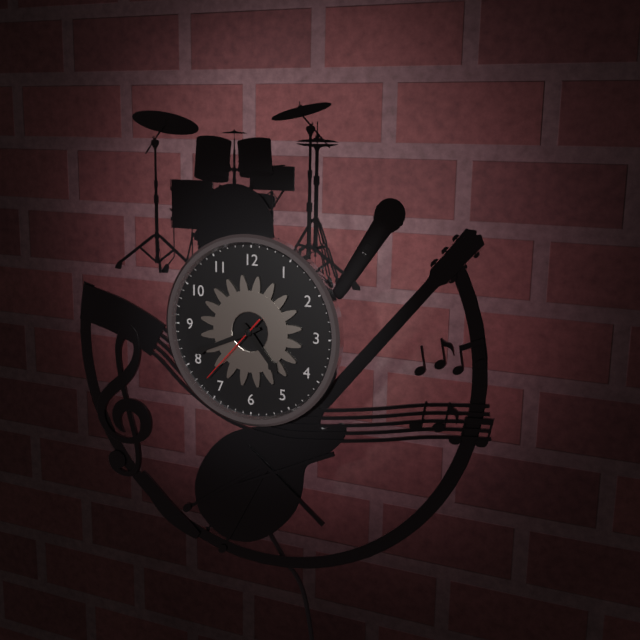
4:41:37
